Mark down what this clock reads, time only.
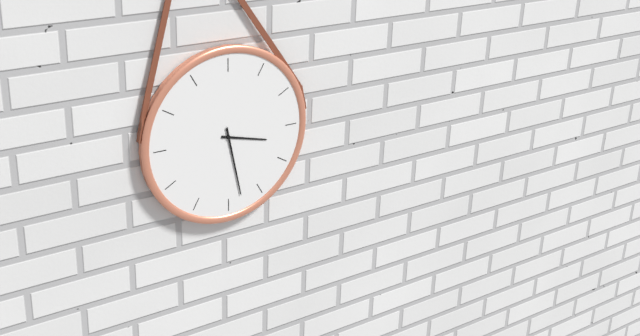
3:28
